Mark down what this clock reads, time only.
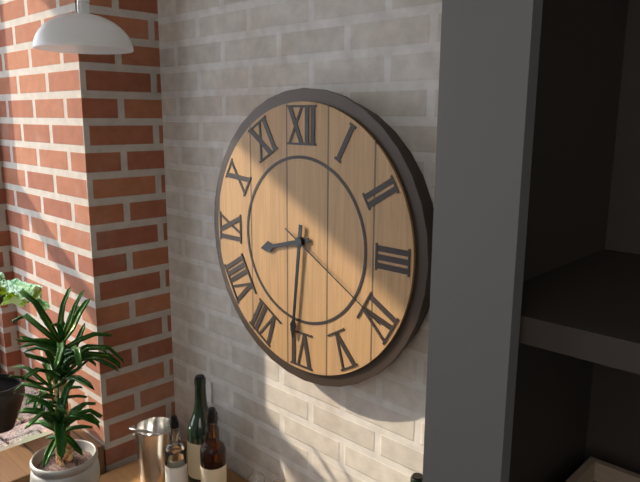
8:31:20
